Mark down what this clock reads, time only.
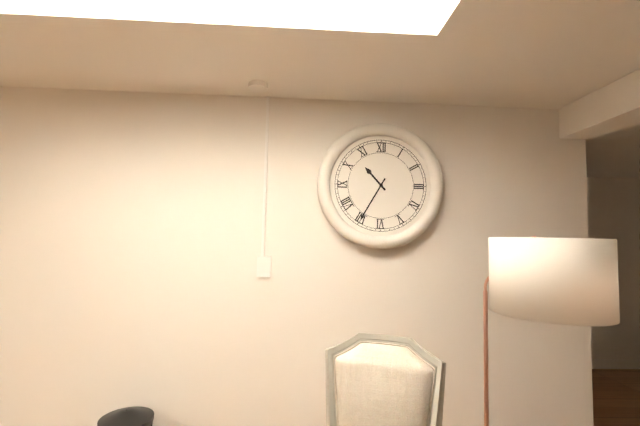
10:35
